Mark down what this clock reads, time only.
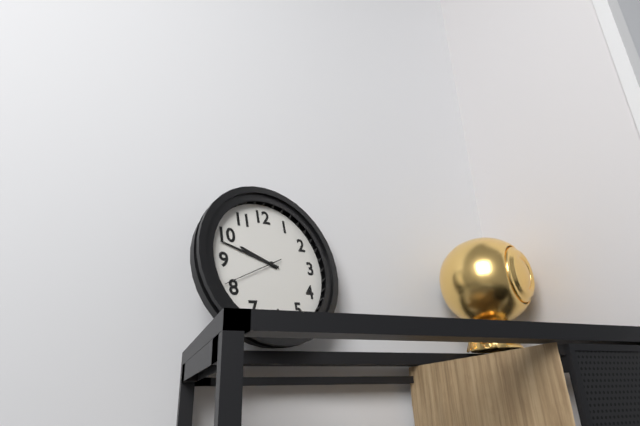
9:48:41
